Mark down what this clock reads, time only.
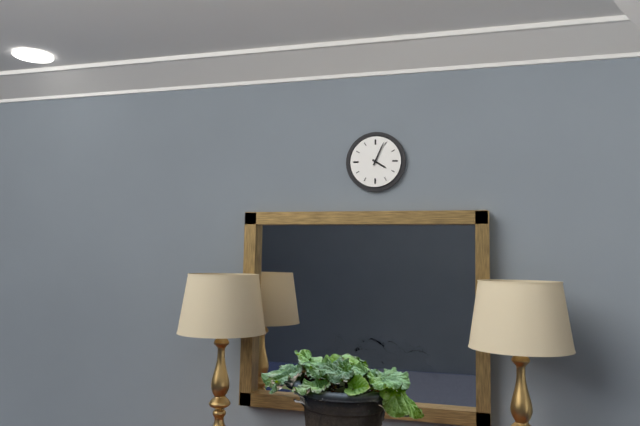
4:04
